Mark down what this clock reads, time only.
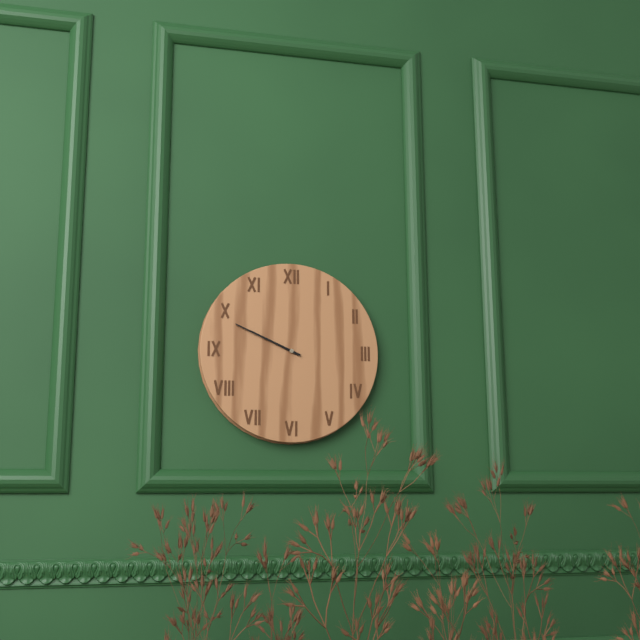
9:49
